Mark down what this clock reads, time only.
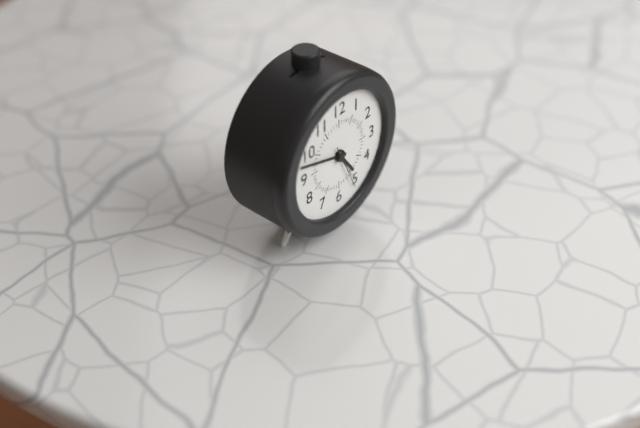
4:48
